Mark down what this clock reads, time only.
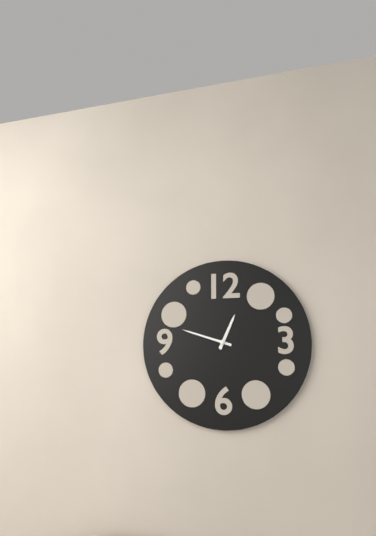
12:48
